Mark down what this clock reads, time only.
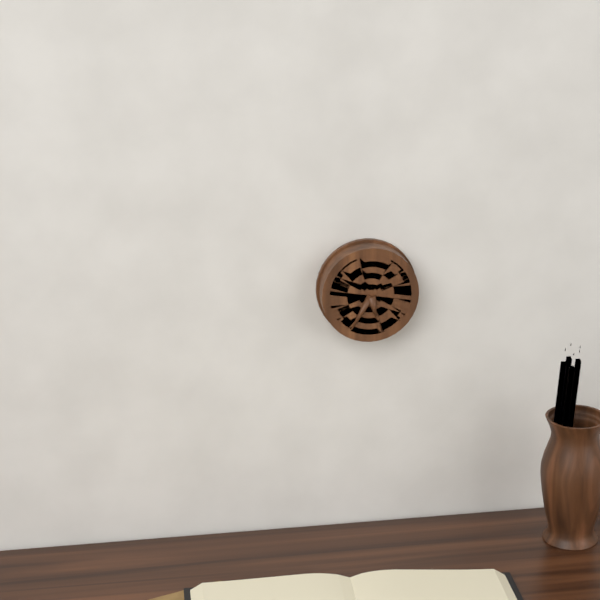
5:35
